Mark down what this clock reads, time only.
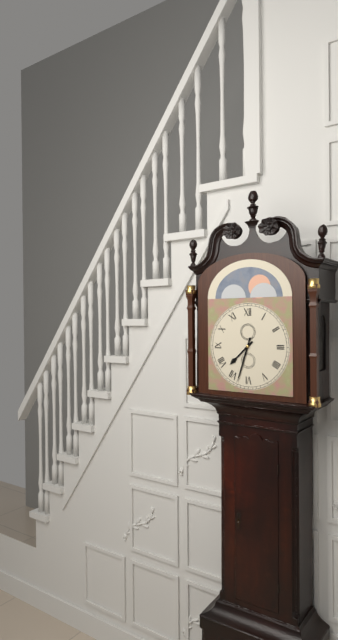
7:33
